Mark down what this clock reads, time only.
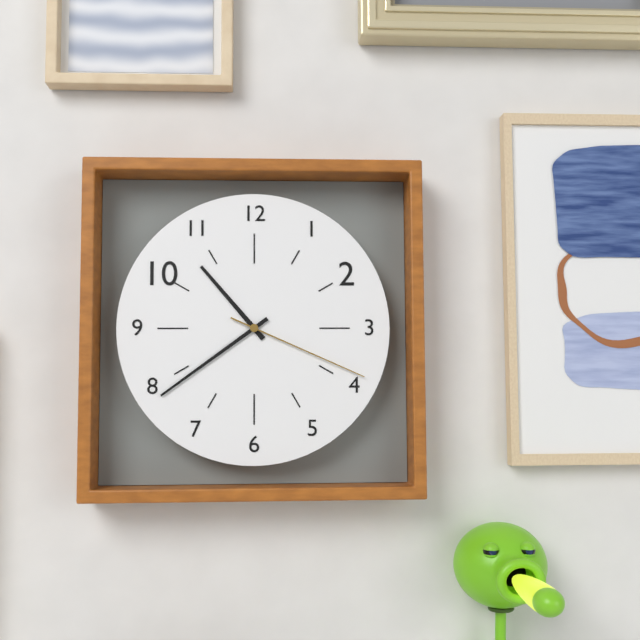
10:39:19
